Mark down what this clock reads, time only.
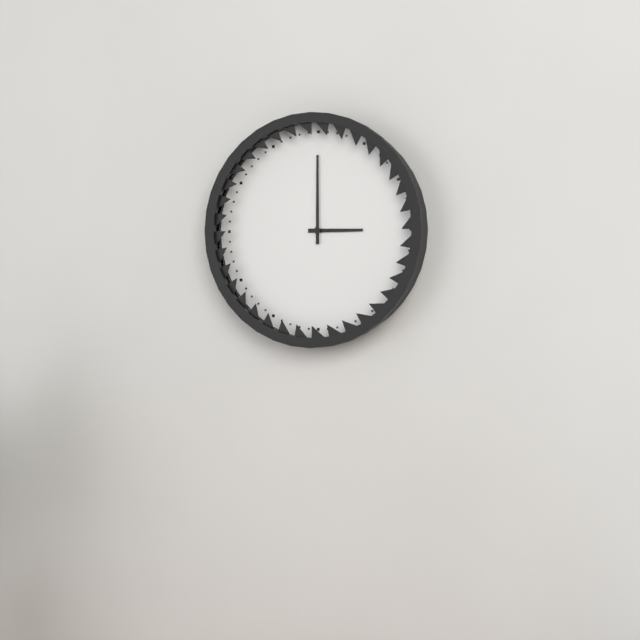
3:00
